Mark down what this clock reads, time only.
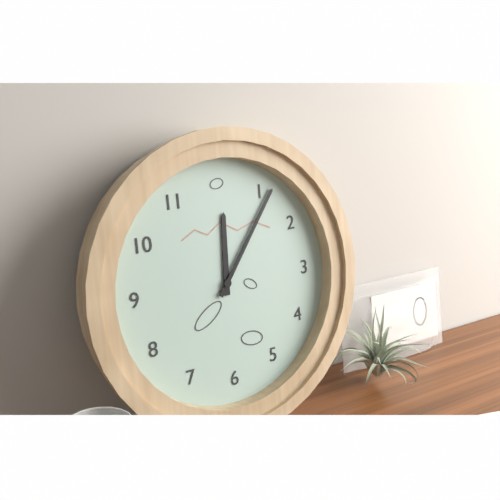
12:06
